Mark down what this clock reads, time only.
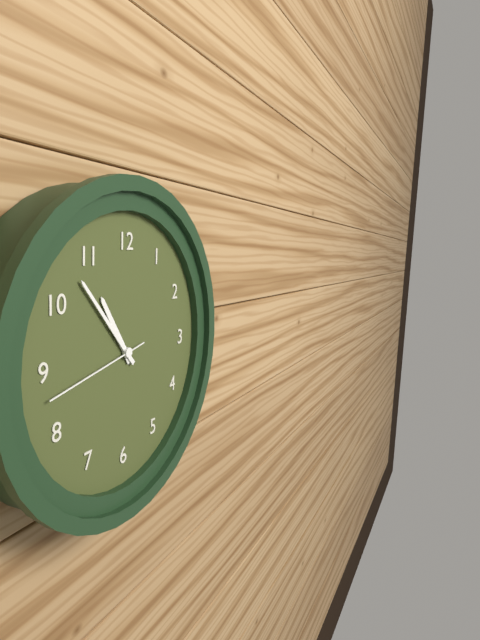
10:53:43
